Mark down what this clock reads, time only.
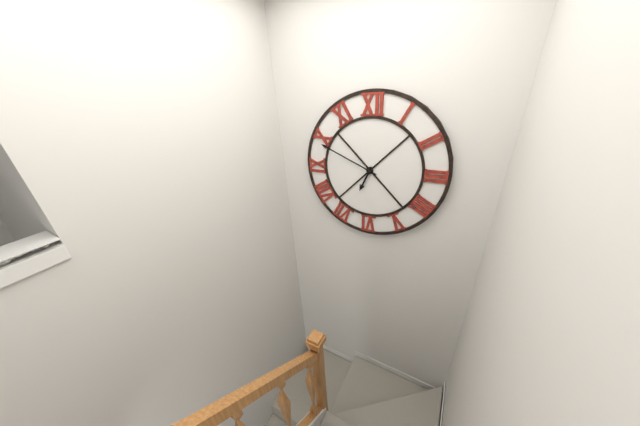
6:49
